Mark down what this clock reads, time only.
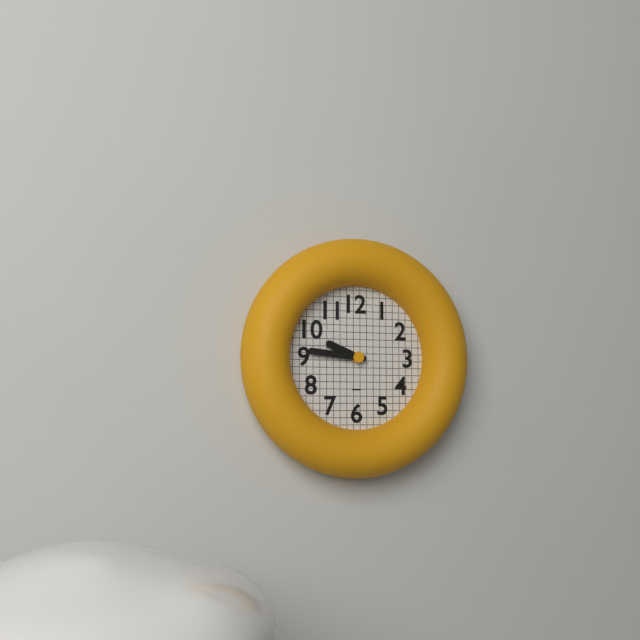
9:46
